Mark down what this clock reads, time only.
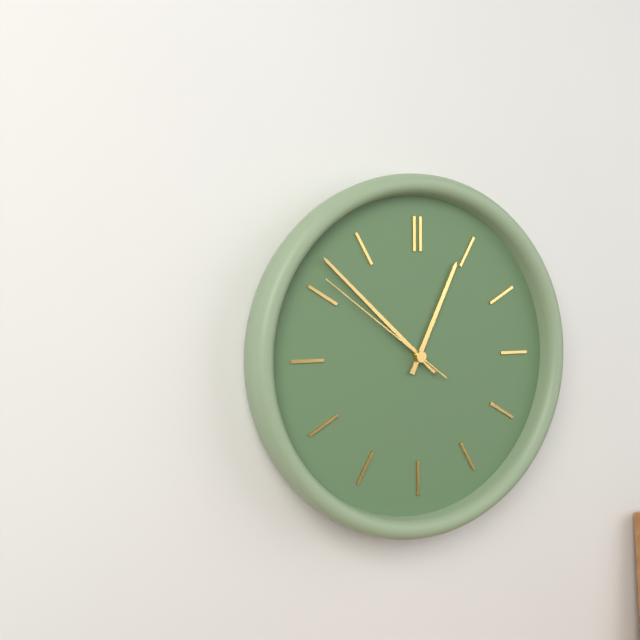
12:52:51
